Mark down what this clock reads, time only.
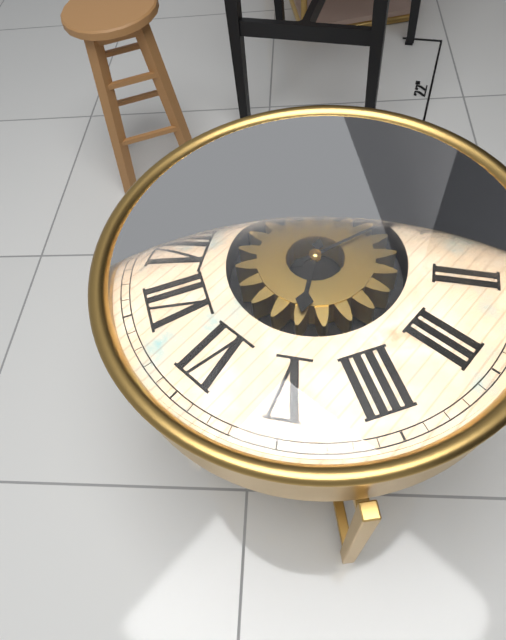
5:03
